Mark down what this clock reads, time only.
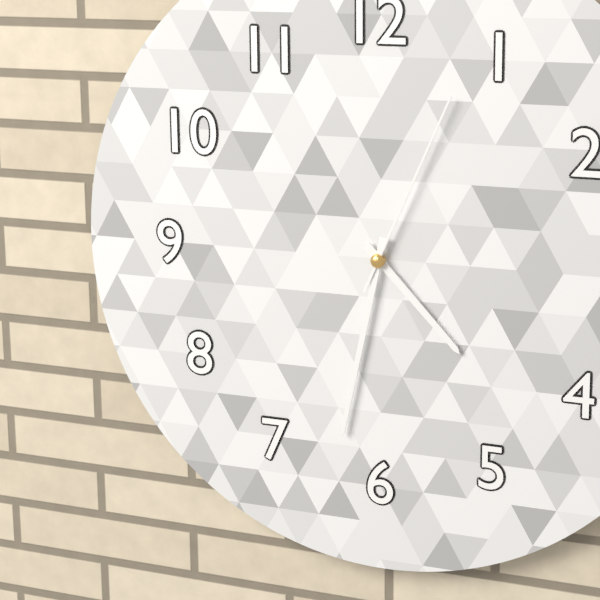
4:32:04
